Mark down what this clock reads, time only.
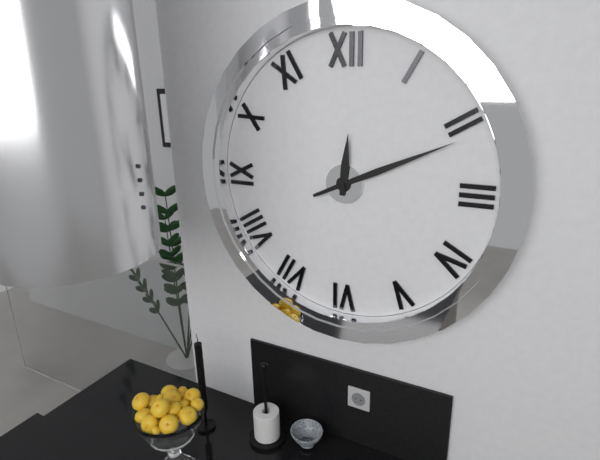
12:11
